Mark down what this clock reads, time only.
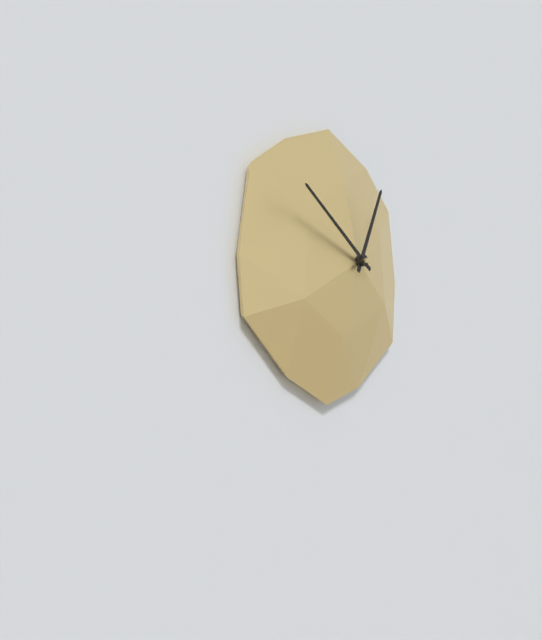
12:50
